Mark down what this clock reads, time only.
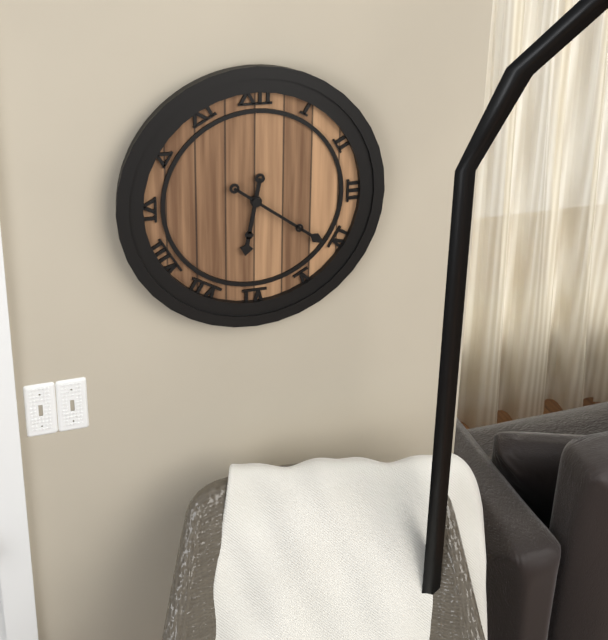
6:21
